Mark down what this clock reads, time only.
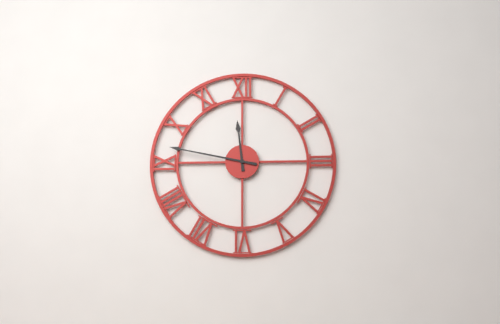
11:47
